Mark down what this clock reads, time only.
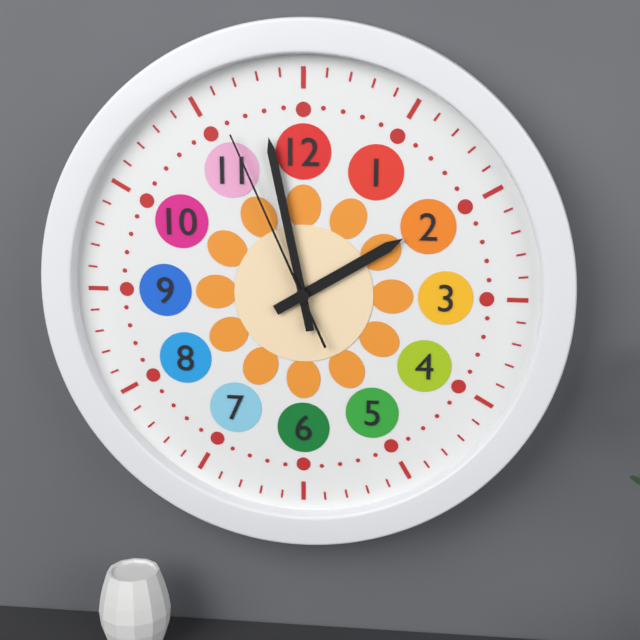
1:58:56
